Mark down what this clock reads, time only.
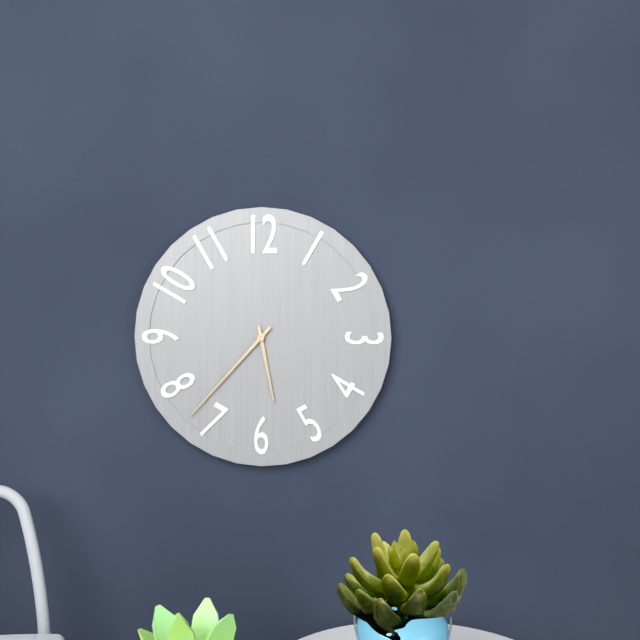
5:37
